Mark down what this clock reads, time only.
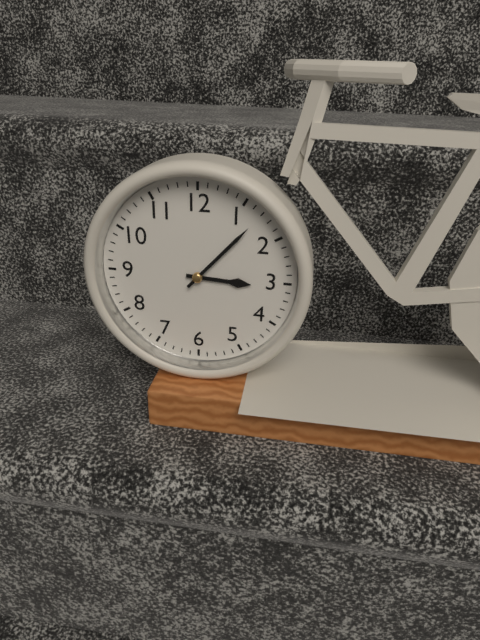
3:07
